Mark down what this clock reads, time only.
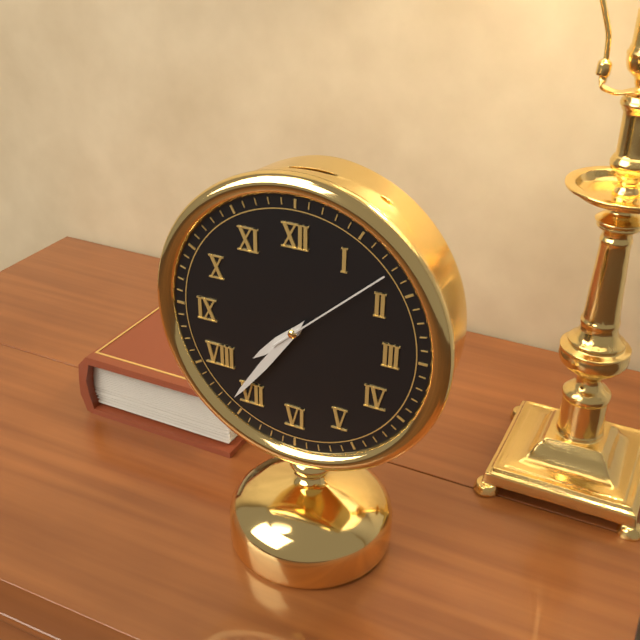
7:36:08
